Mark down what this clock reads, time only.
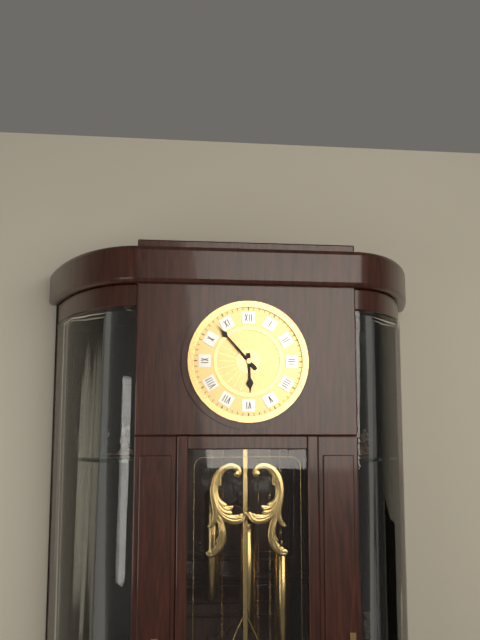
5:53
